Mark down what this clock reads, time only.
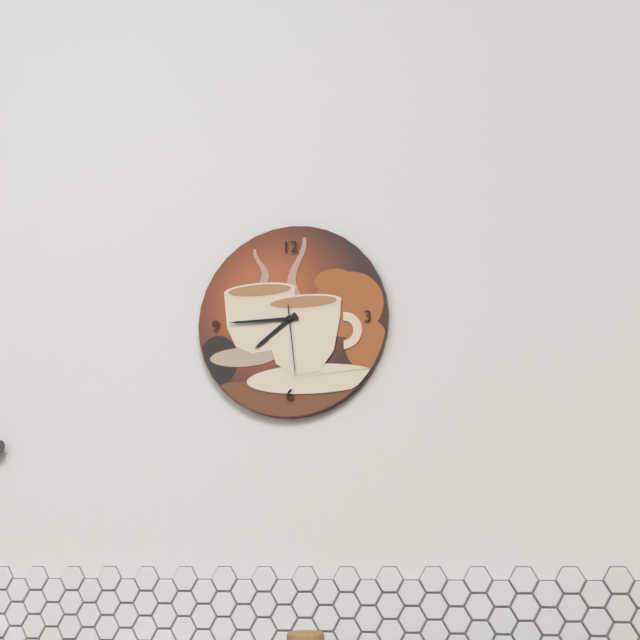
7:45:29
